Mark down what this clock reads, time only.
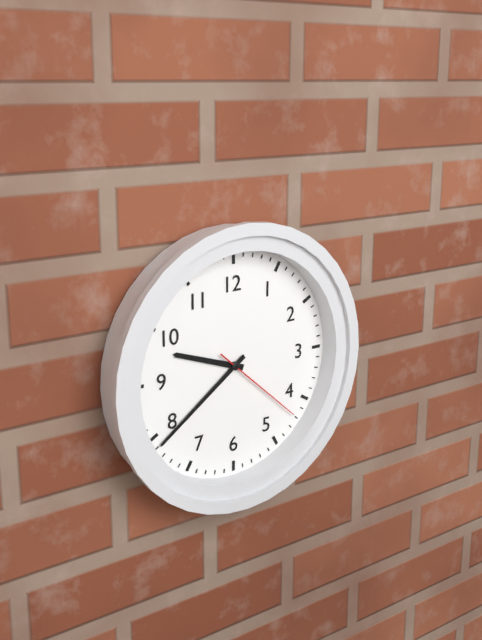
9:39:22
